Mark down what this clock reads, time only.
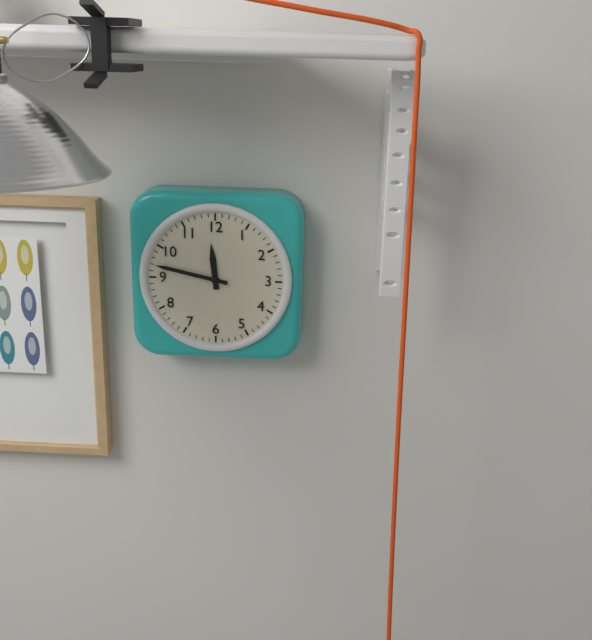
11:47
